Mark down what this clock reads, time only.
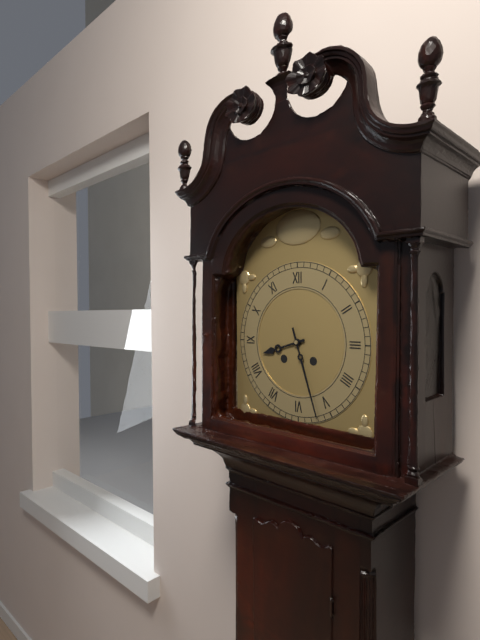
8:27
